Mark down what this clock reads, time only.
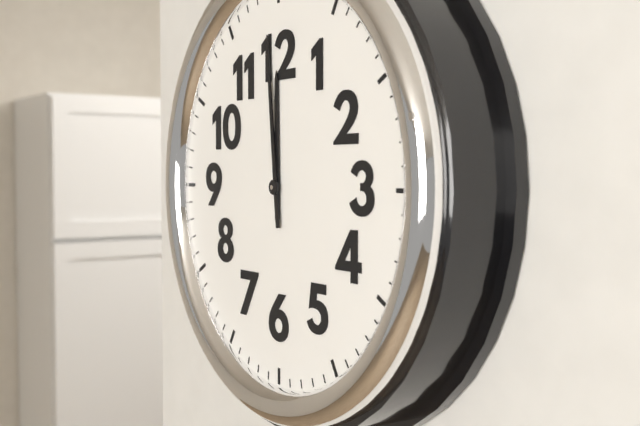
11:59
